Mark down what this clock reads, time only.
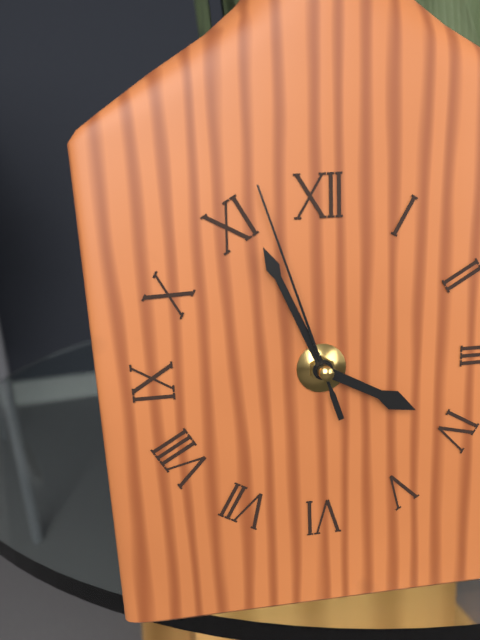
3:56:57
